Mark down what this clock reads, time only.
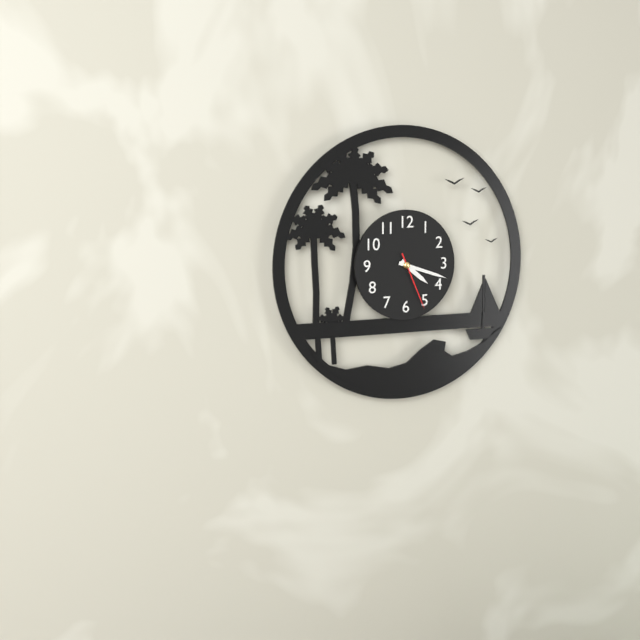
4:18:26
